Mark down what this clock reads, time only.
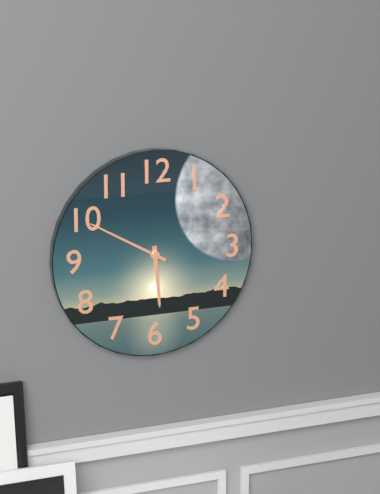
5:50
